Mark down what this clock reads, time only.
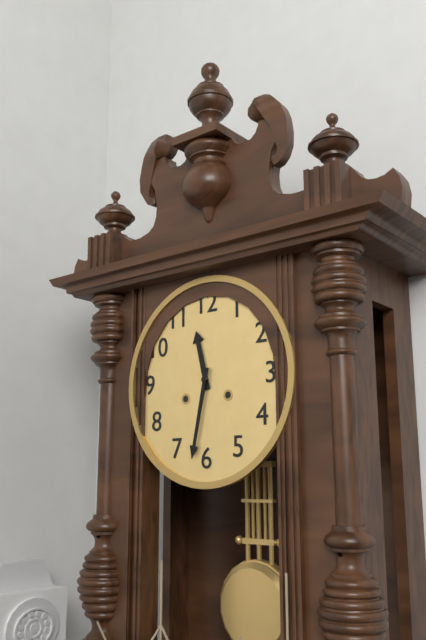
11:32
